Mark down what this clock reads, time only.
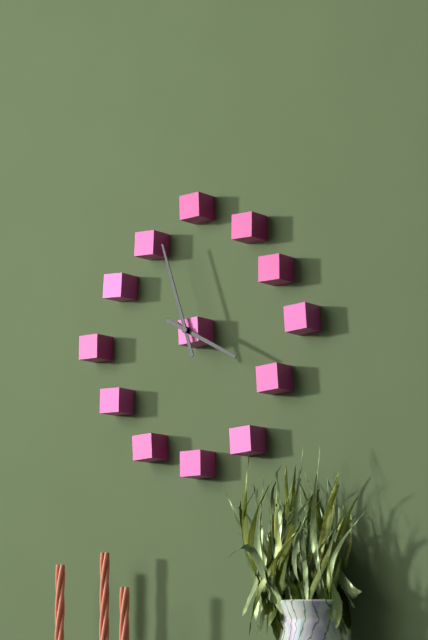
3:57
